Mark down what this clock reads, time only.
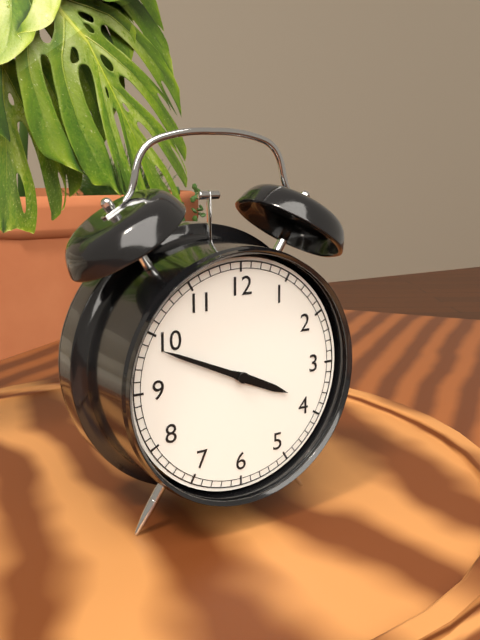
3:49
